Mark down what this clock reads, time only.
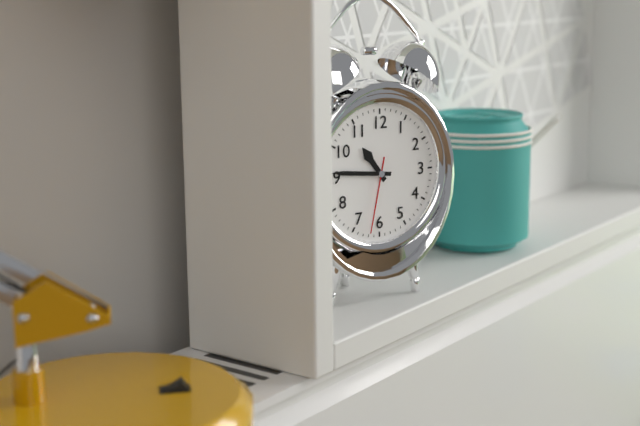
10:46:32
